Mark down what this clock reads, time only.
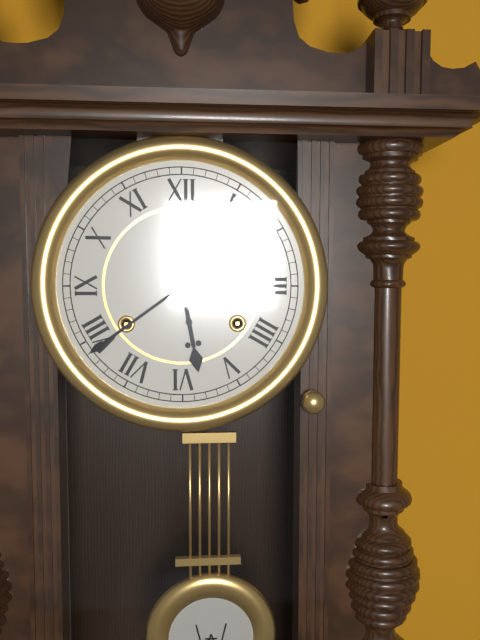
5:39
